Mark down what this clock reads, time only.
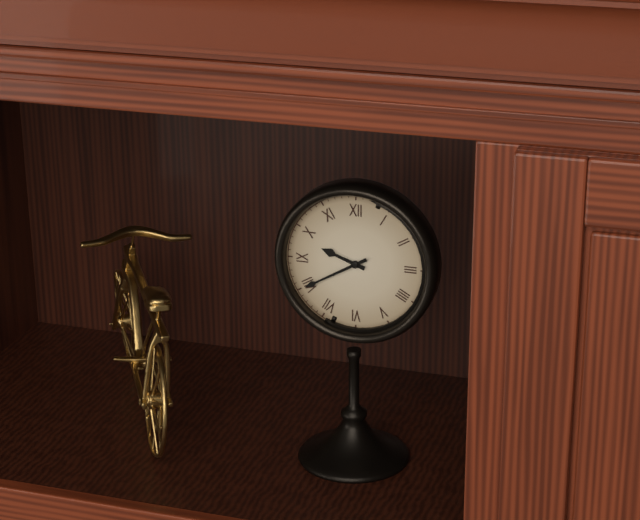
9:40
